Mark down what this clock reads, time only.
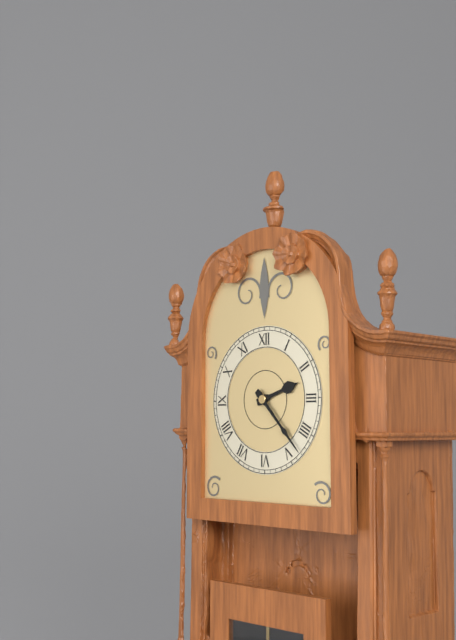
2:23
